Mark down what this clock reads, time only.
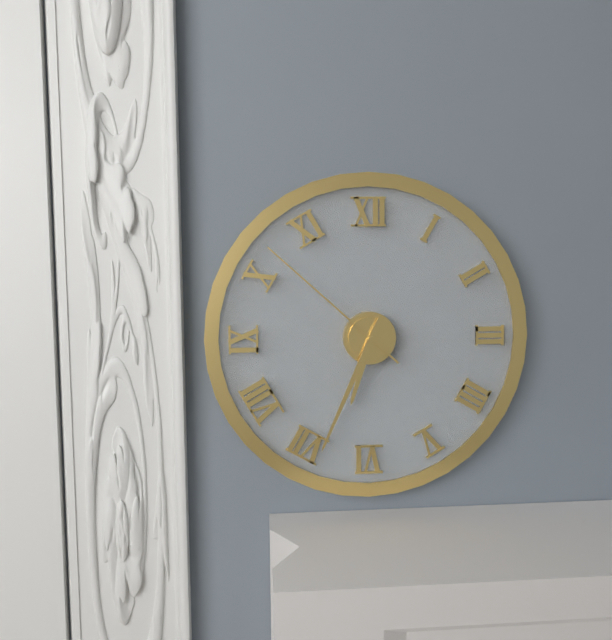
6:34:52
